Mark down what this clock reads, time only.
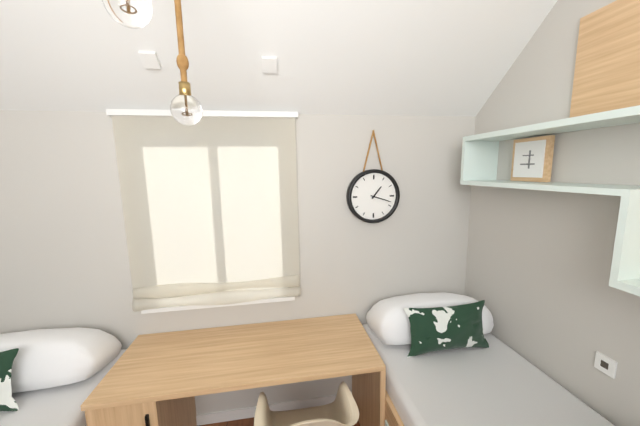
1:18
